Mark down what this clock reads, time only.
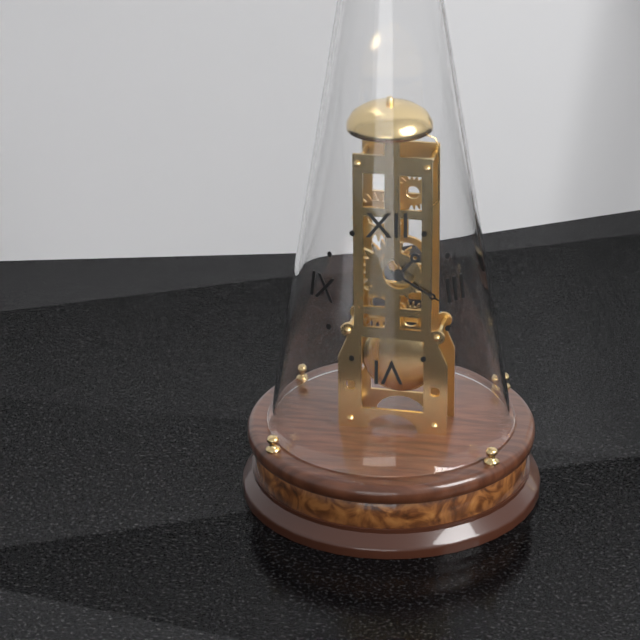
1:20
